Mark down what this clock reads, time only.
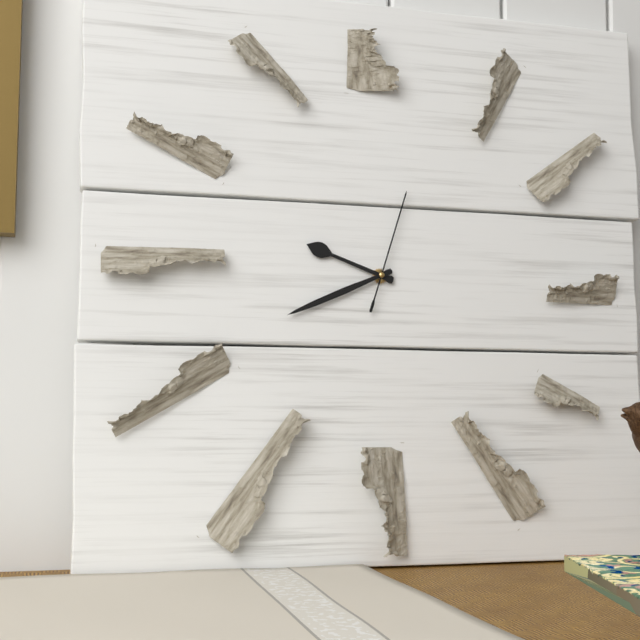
9:41:03
